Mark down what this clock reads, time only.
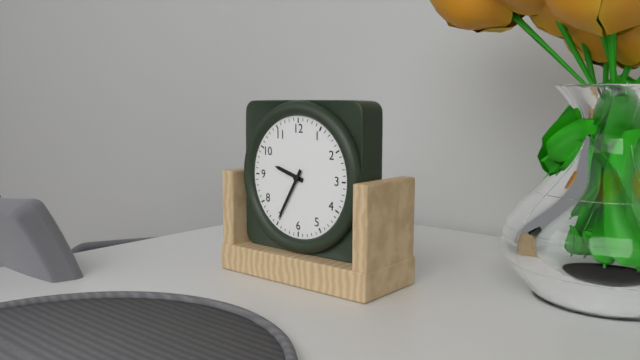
9:35
